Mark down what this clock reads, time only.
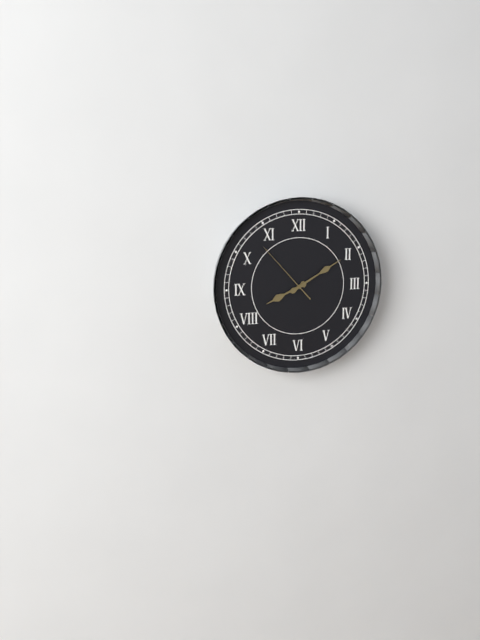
8:10:53
